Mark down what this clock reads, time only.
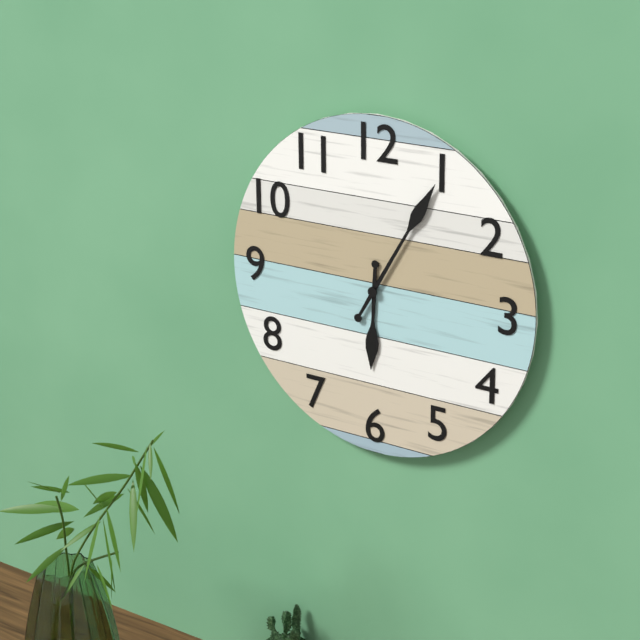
6:05
